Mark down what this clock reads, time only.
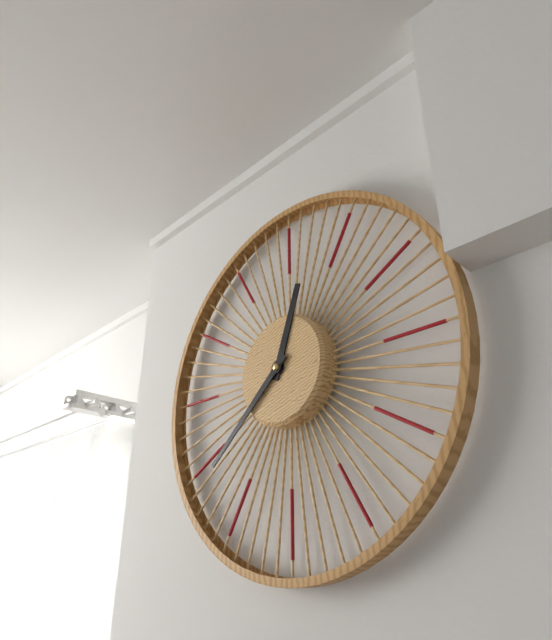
12:38
